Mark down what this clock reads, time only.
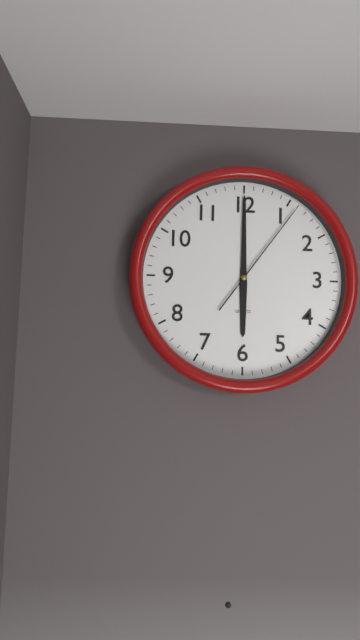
6:00:06
